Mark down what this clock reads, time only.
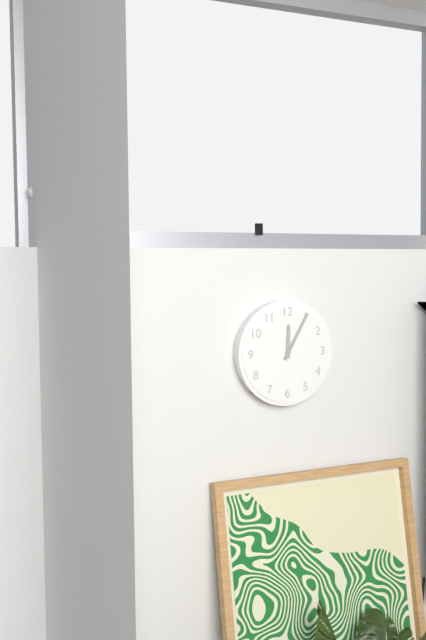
12:05
